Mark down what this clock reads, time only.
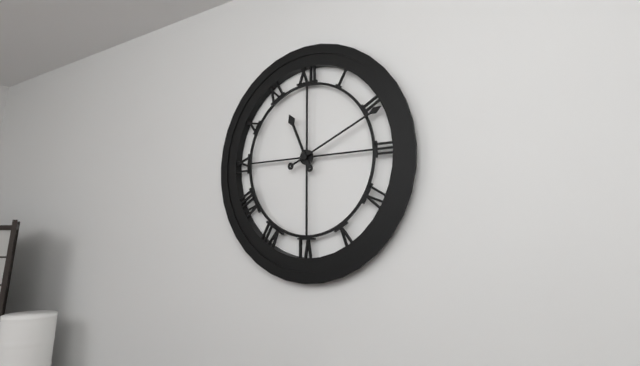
11:11
